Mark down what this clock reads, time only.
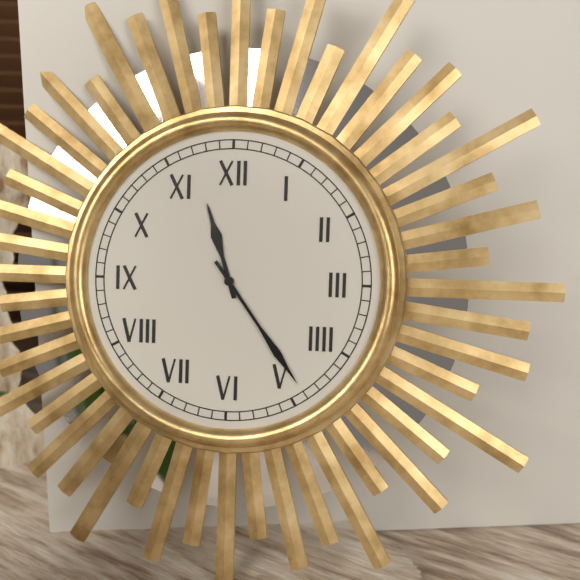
11:24
